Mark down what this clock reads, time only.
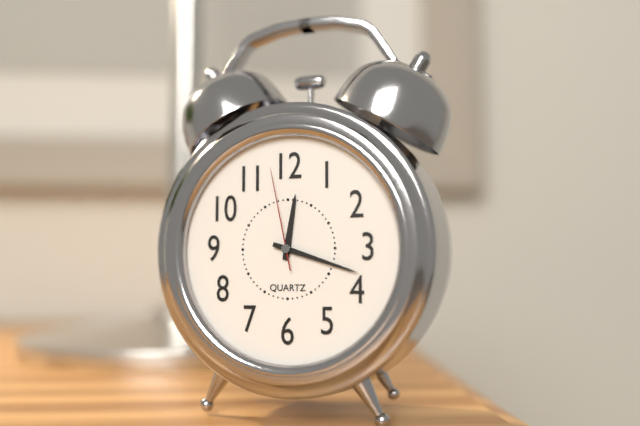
12:18:58
